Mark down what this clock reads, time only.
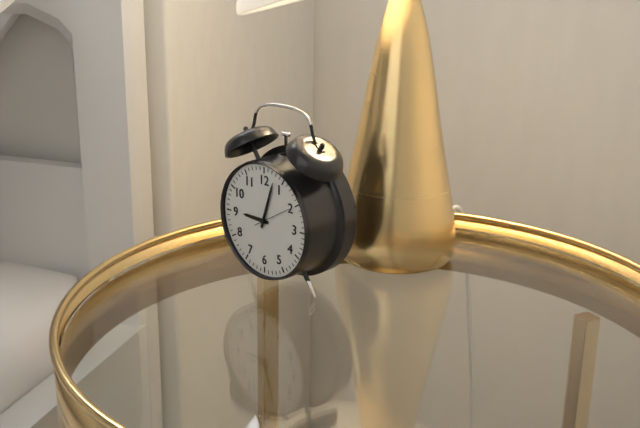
9:03
